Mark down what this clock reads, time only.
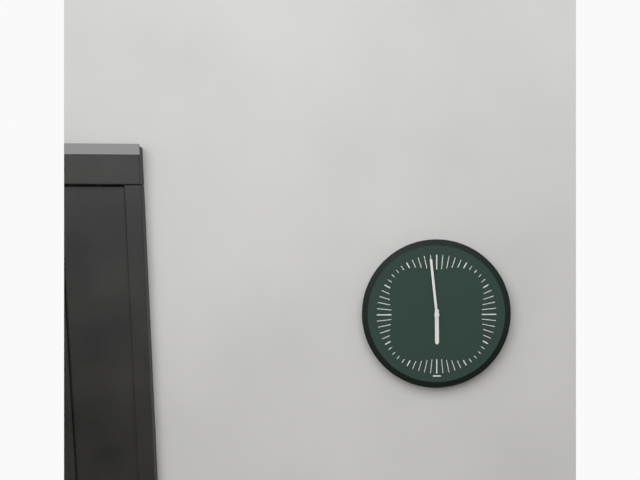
5:59
